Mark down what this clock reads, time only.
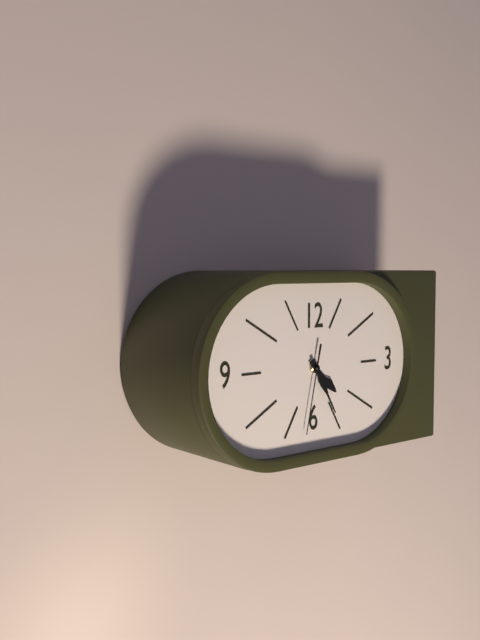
4:25:32
